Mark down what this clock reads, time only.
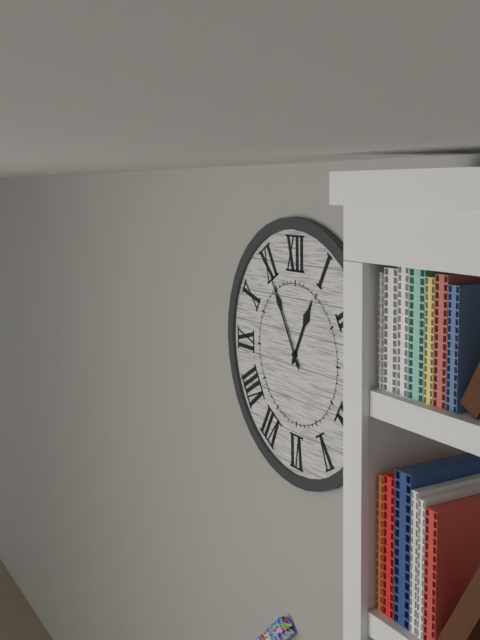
12:55
